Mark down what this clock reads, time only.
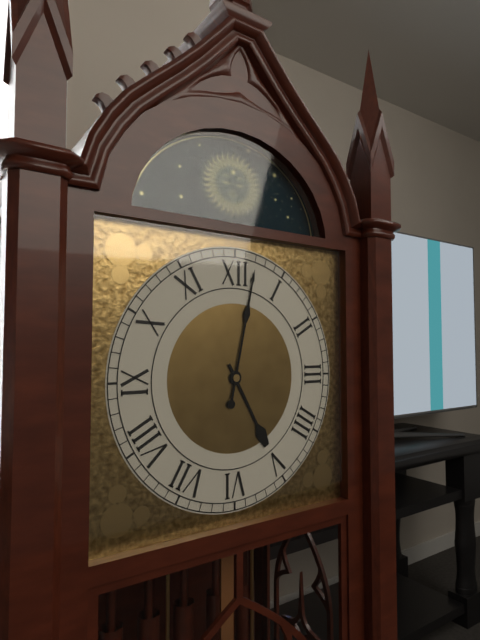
5:02
